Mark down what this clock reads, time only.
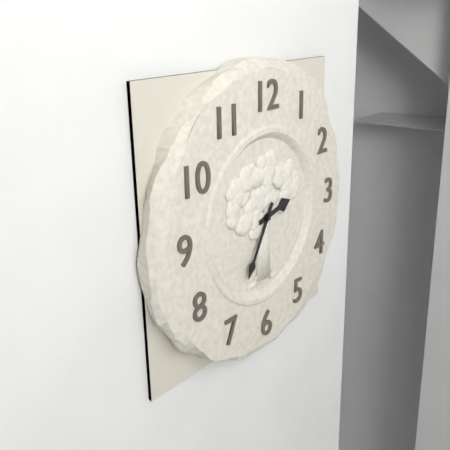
2:35
